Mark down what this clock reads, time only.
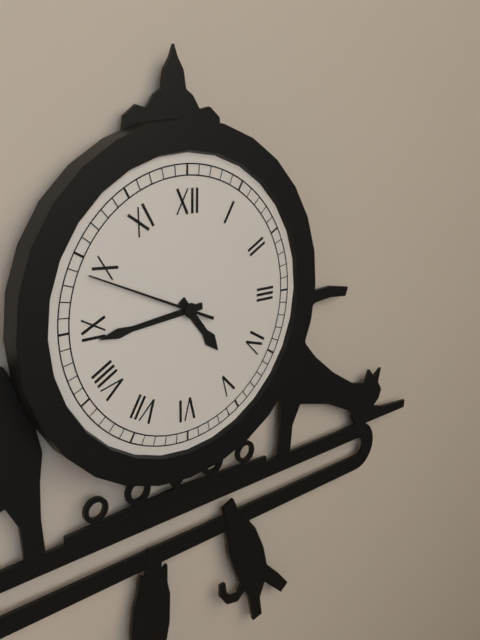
4:44:49
